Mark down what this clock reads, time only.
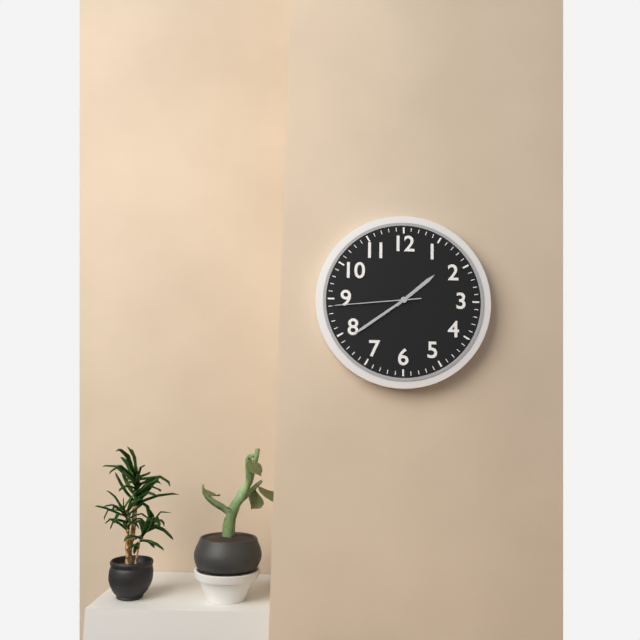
1:39:44
